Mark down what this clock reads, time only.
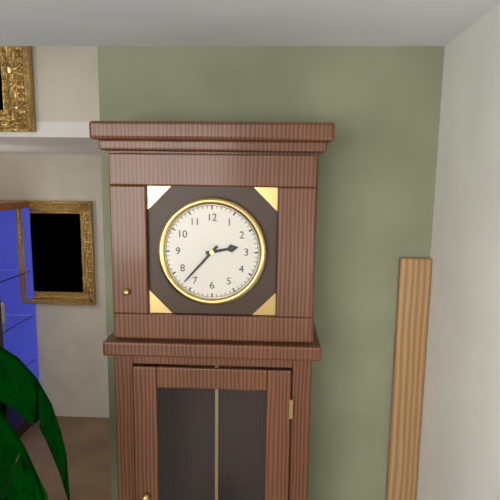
2:37
